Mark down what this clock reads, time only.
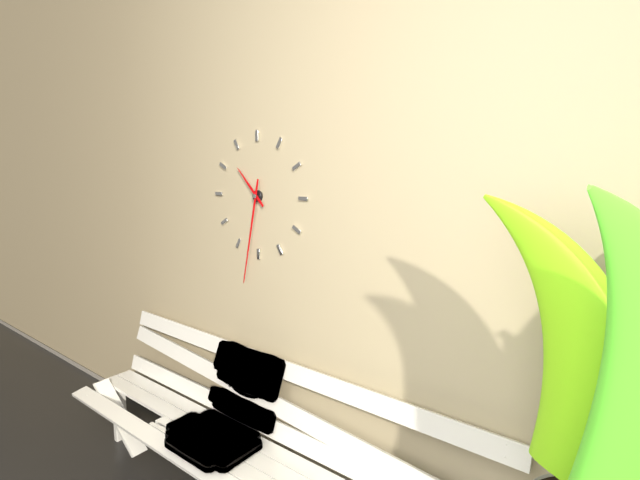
10:32
